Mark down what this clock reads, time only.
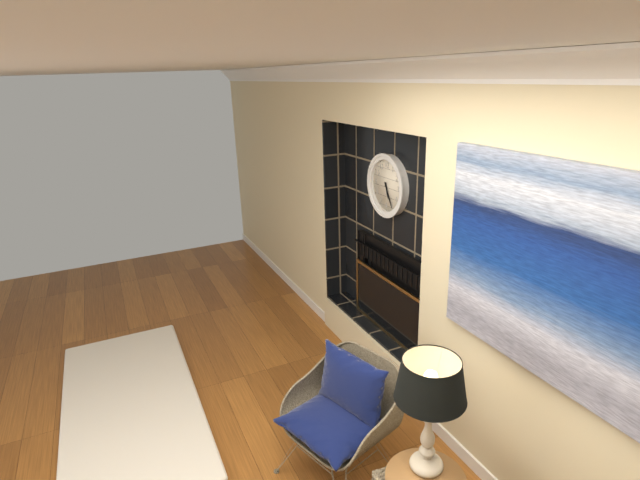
5:25
